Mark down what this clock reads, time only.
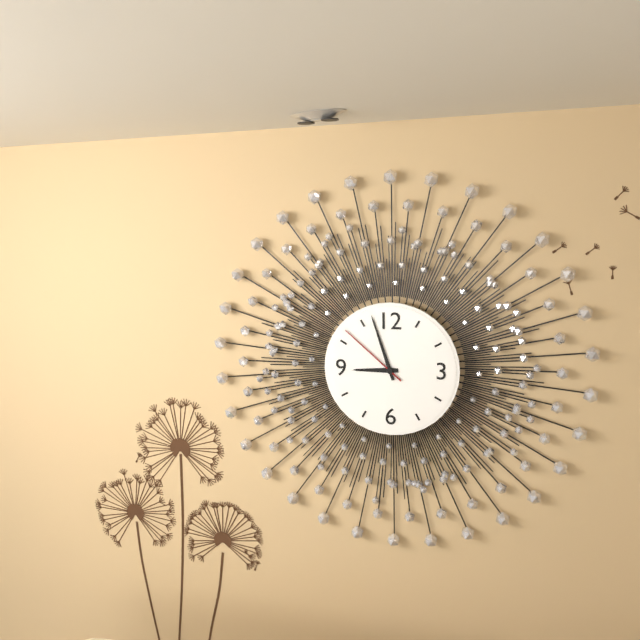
8:57:52
